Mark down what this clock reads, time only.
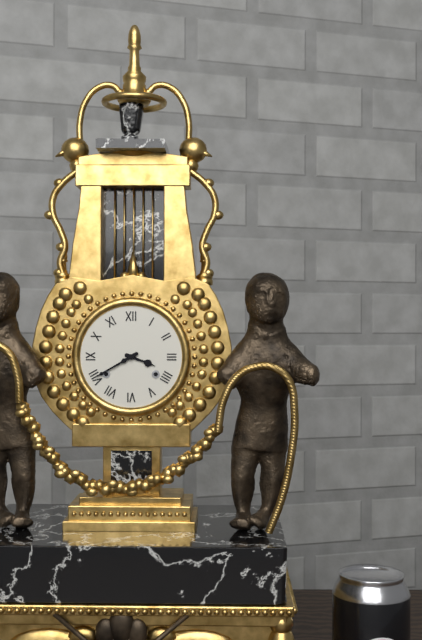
3:40
